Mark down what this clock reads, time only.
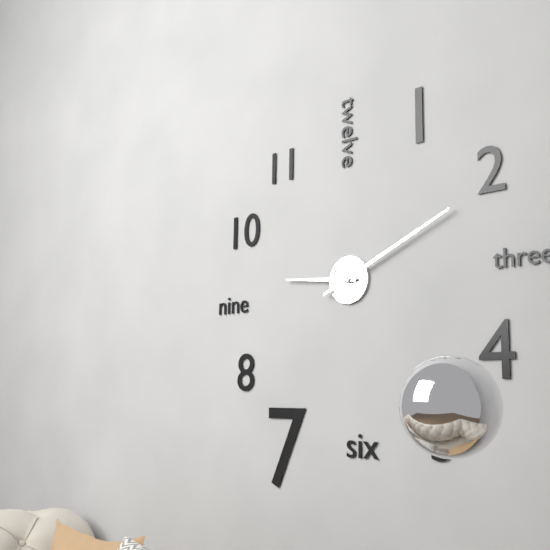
9:11
